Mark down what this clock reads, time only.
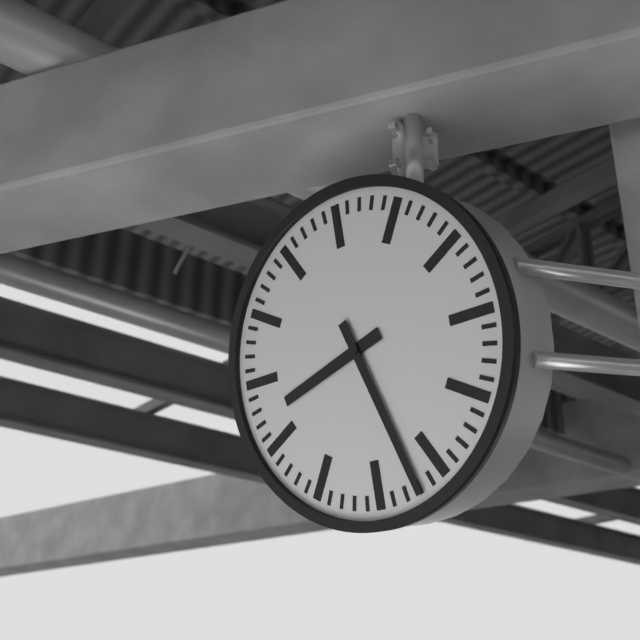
8:27
